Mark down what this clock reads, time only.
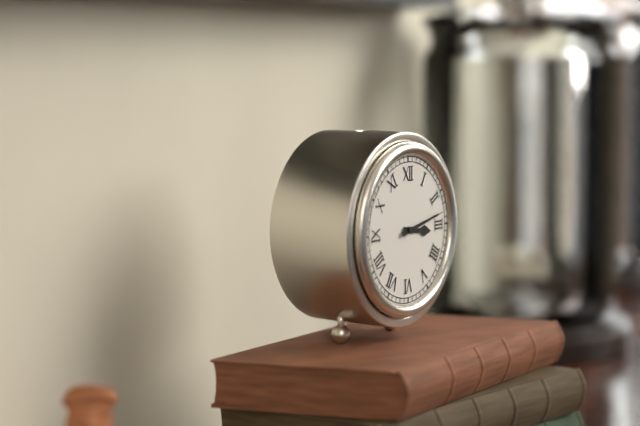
3:13
